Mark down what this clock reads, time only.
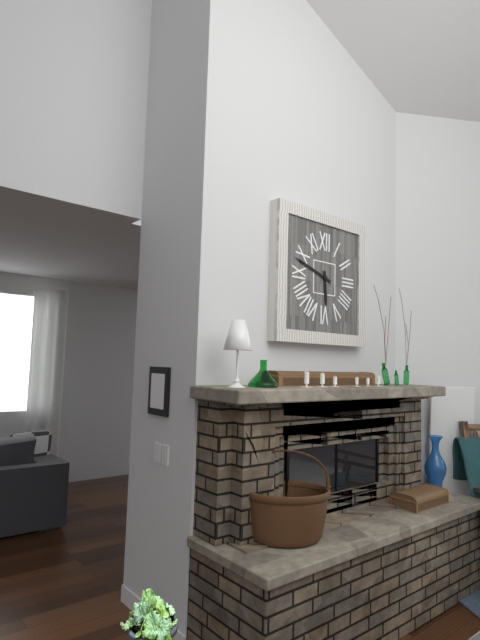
5:48
